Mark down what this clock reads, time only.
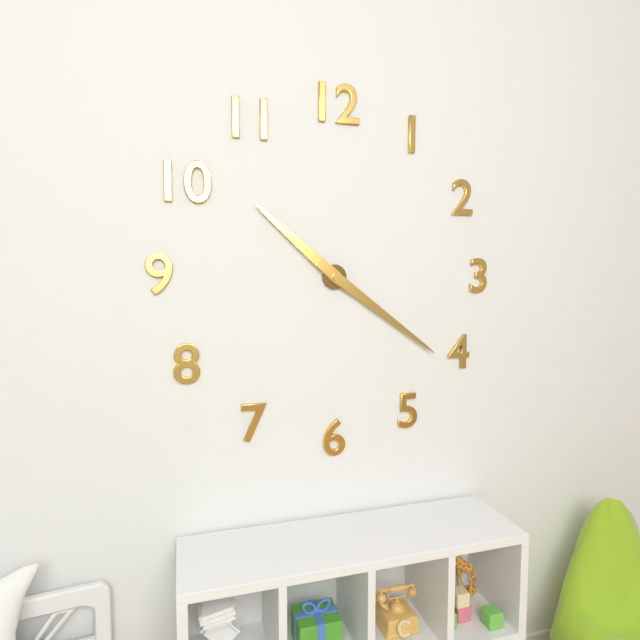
10:21
